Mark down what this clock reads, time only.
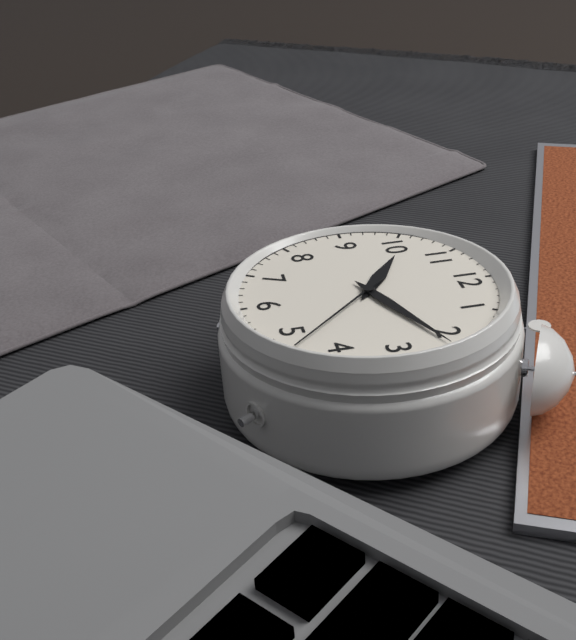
10:11:23
